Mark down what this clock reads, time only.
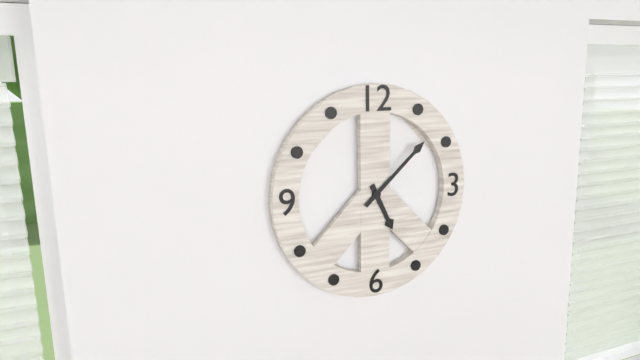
5:08
